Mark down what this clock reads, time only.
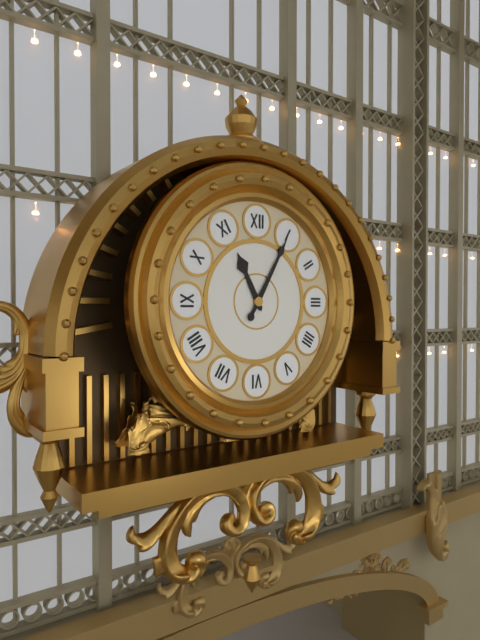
11:05
